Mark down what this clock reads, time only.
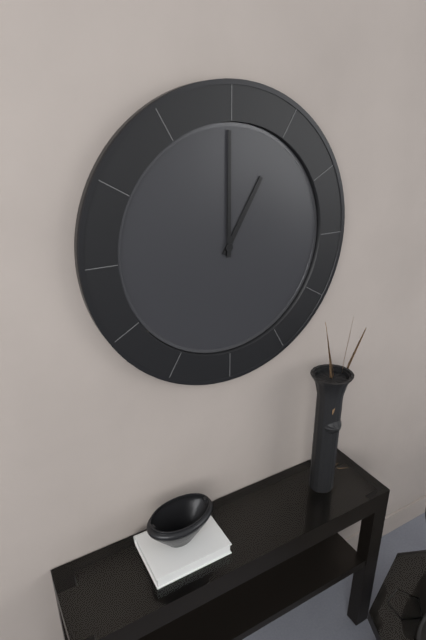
1:00
